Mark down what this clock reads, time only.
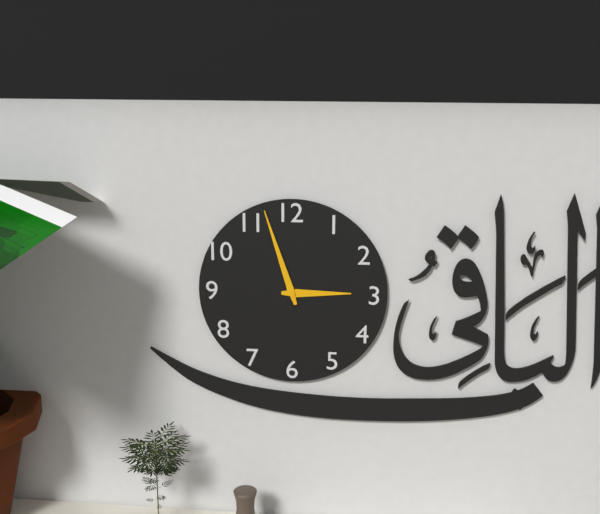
2:57
